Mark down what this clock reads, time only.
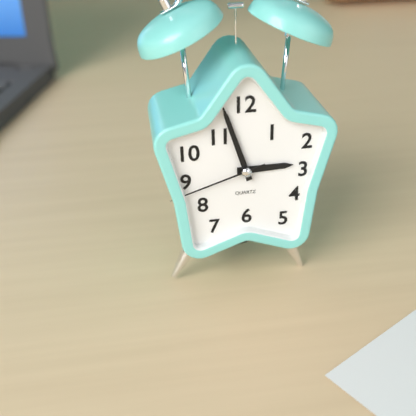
2:57:42
